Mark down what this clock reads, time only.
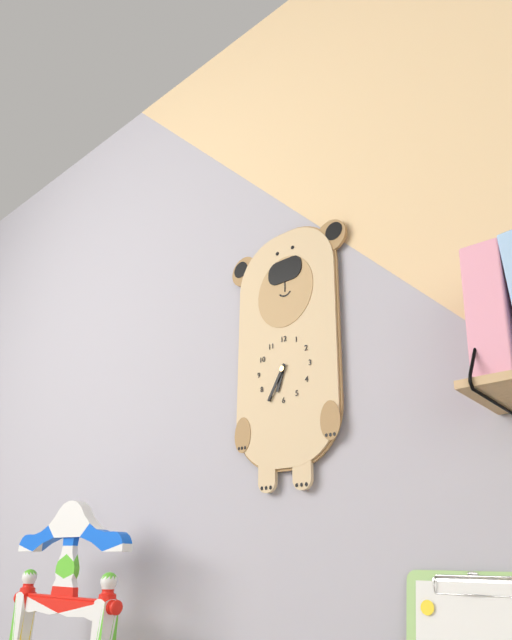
6:35
